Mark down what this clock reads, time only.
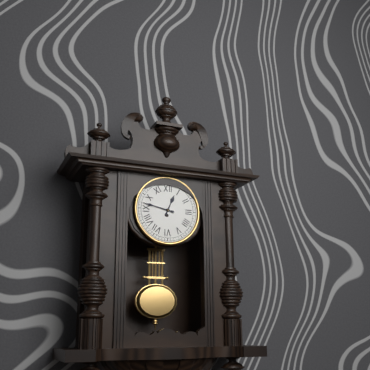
12:47
